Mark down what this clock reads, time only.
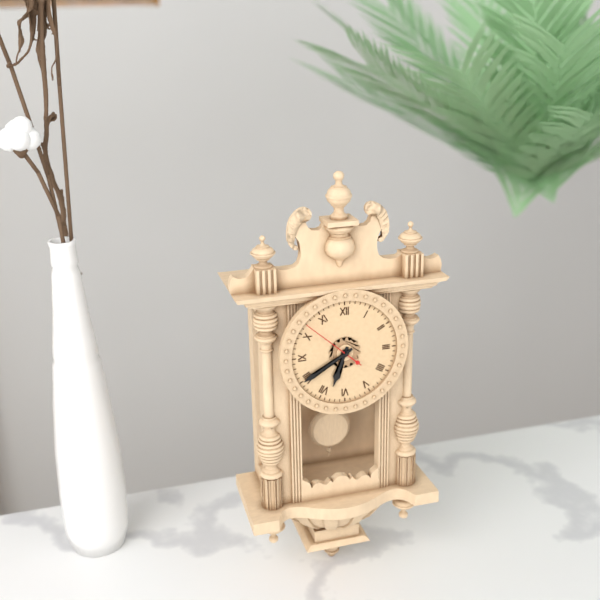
6:40:52
